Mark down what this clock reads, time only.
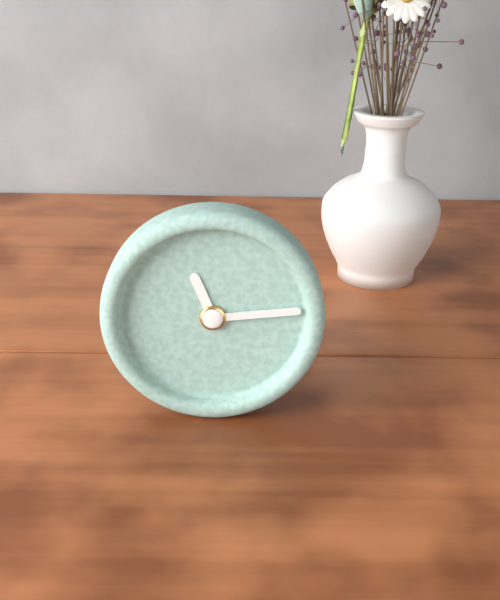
11:14
